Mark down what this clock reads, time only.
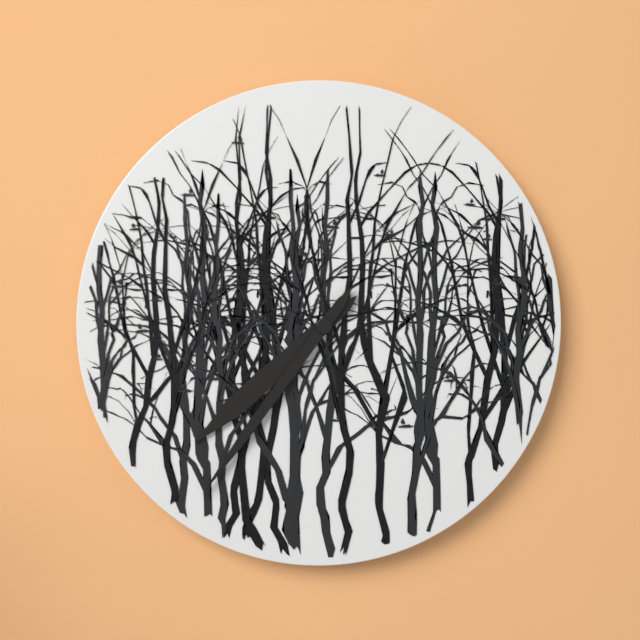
7:36
